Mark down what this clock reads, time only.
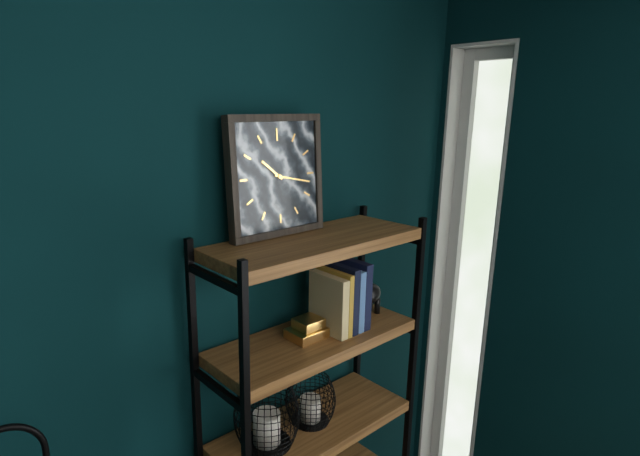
10:17
